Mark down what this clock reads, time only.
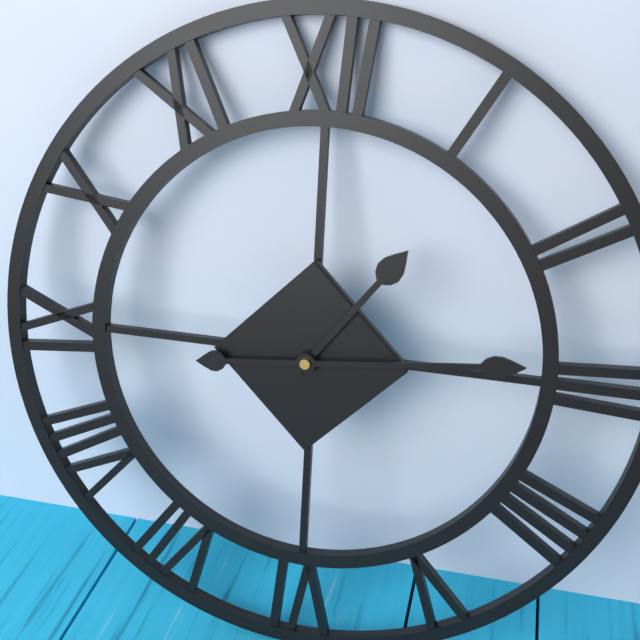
1:14
